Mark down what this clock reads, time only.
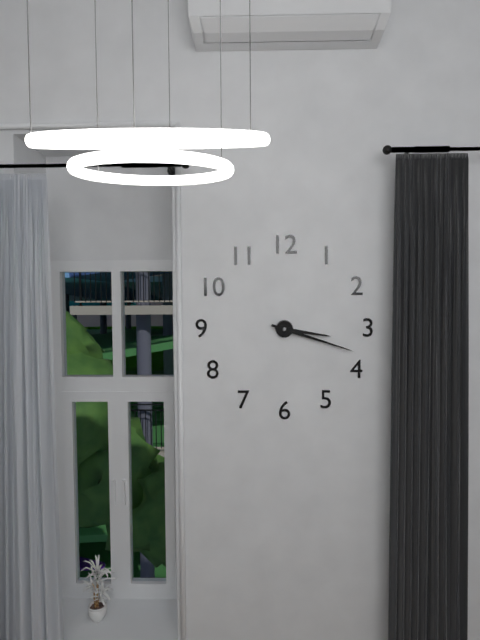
3:18
